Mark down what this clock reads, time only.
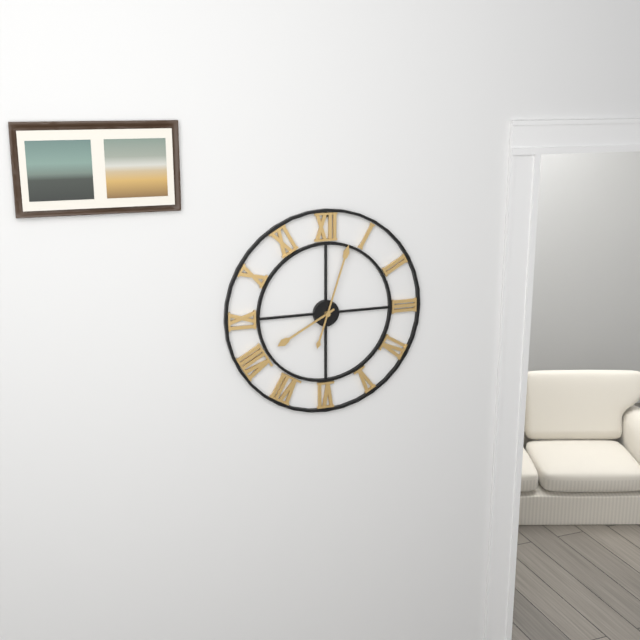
8:03
